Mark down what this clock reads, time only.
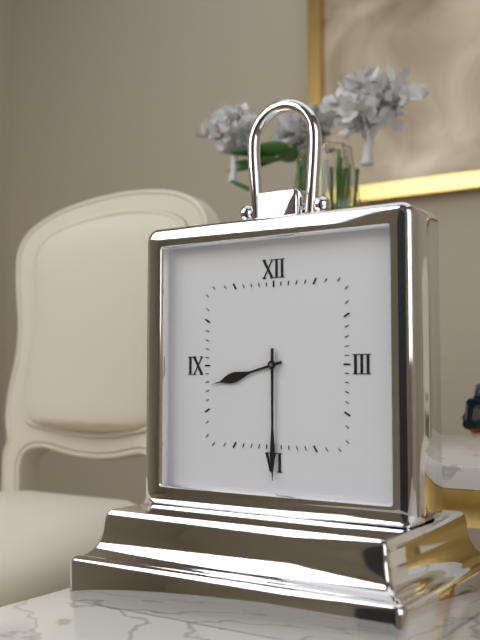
8:30
